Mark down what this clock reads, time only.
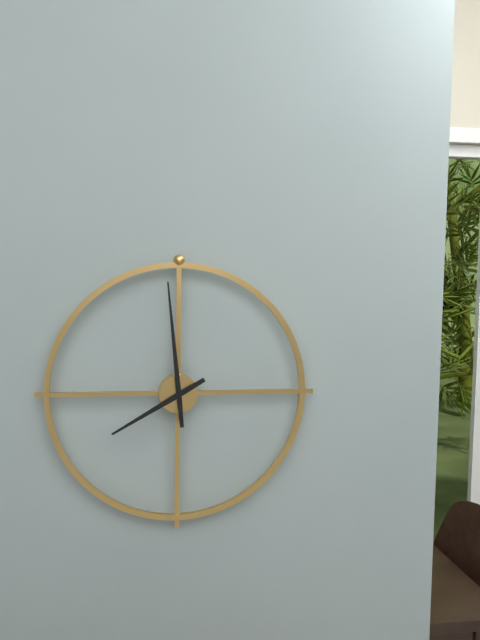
7:59
